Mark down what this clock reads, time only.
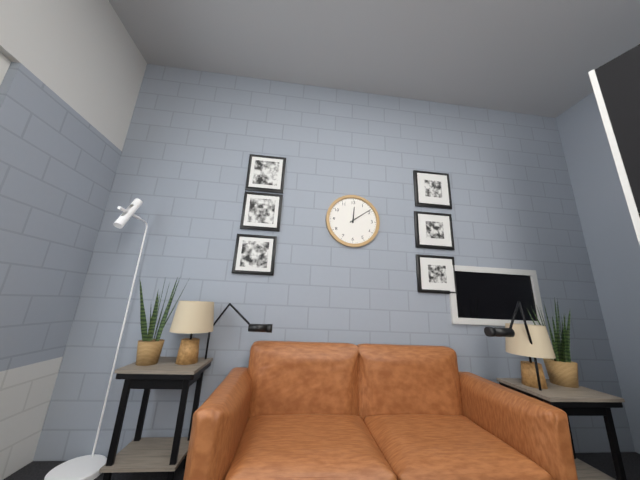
12:09
